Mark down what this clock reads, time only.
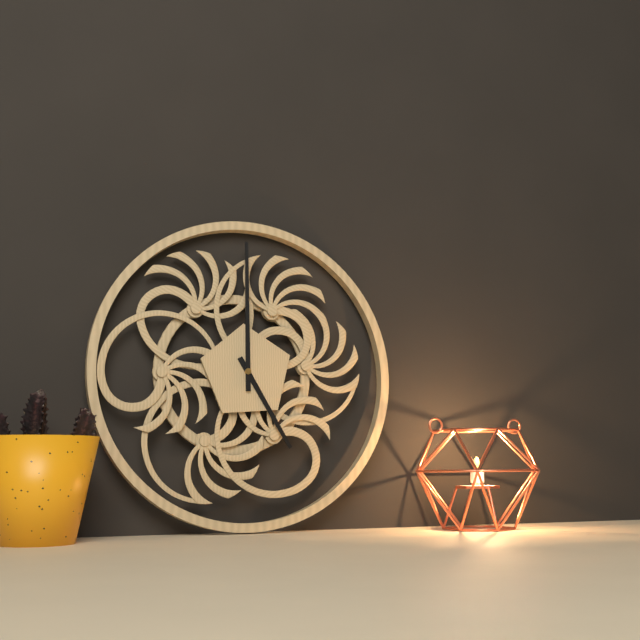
5:00
